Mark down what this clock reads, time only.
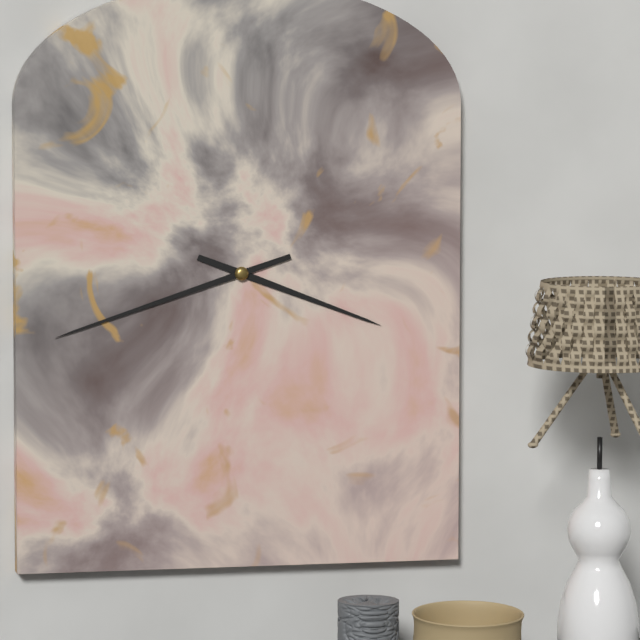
3:42
